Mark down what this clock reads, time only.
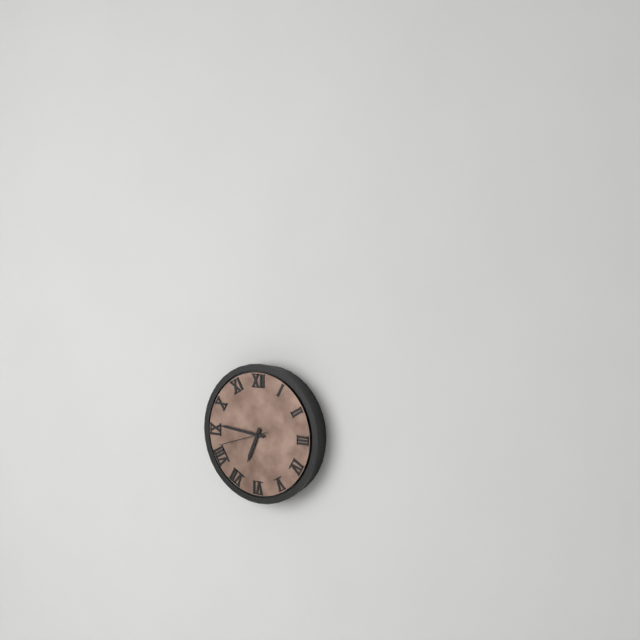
6:46
